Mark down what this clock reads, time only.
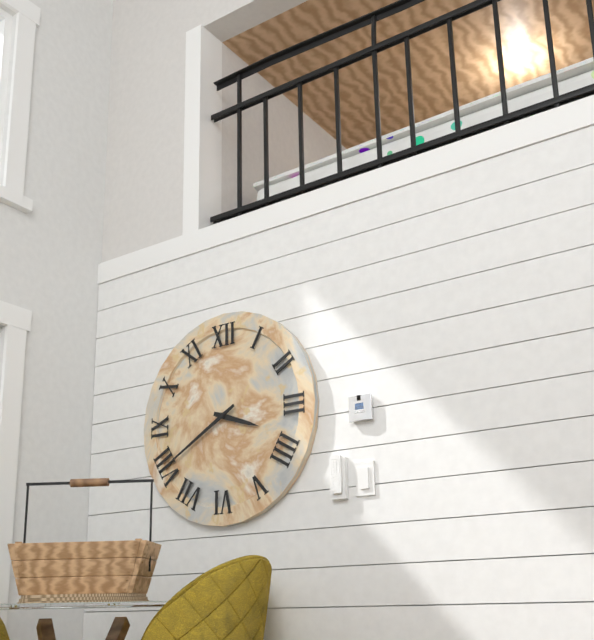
3:40
